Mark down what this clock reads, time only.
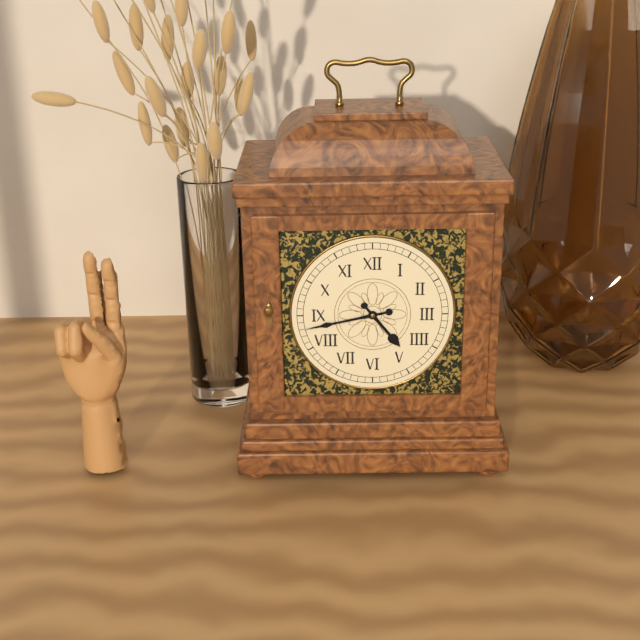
4:43
